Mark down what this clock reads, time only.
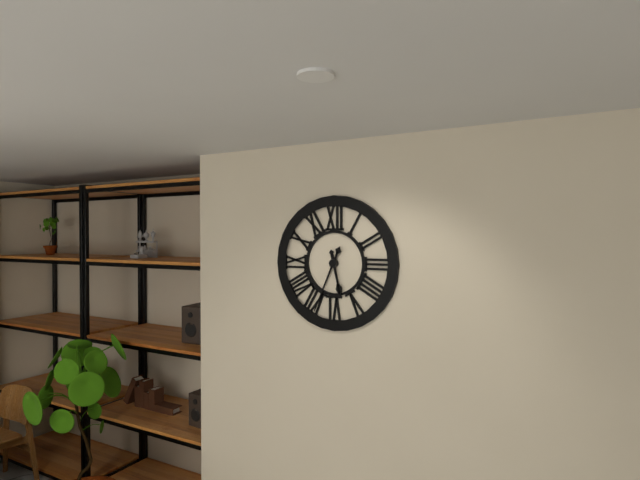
5:34
